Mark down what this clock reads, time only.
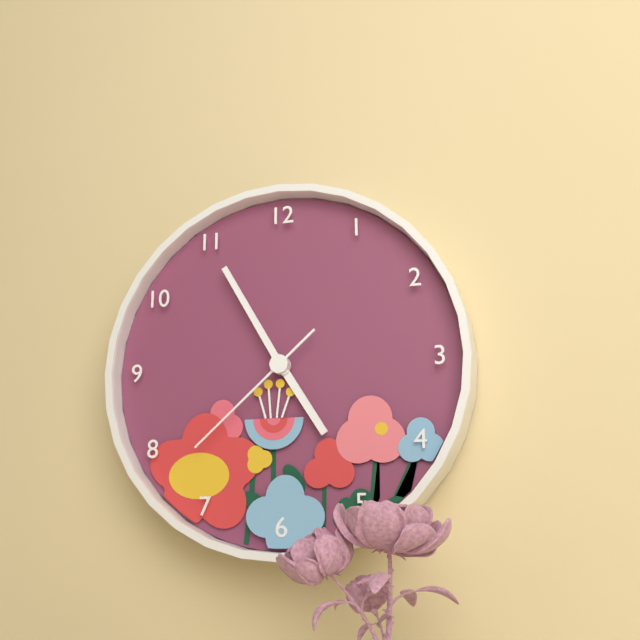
4:55:38
